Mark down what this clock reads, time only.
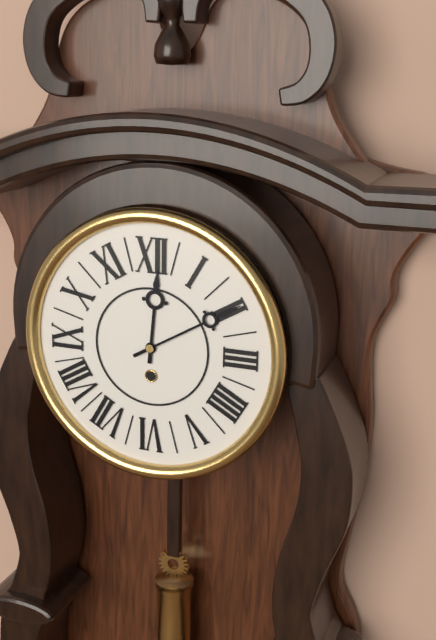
12:10
